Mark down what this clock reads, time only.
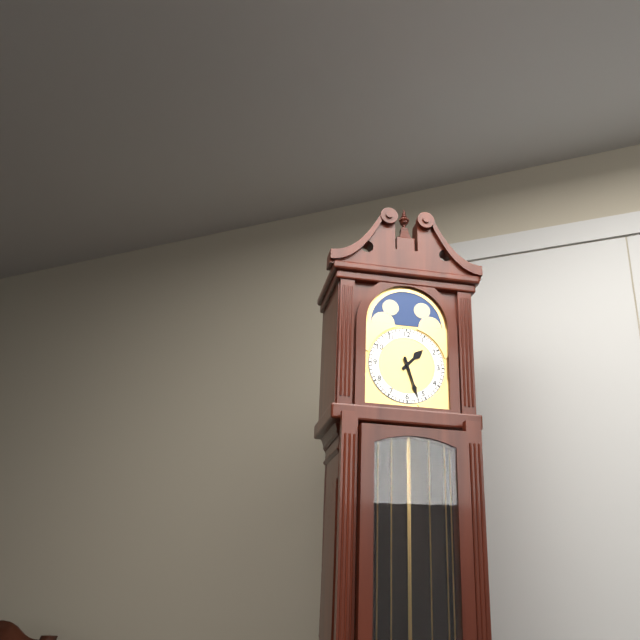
1:27
